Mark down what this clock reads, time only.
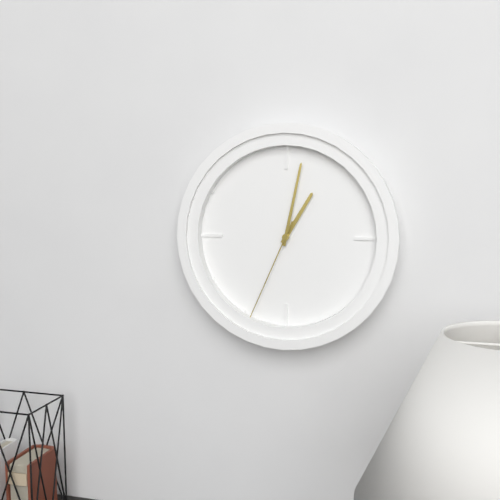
1:02:34
